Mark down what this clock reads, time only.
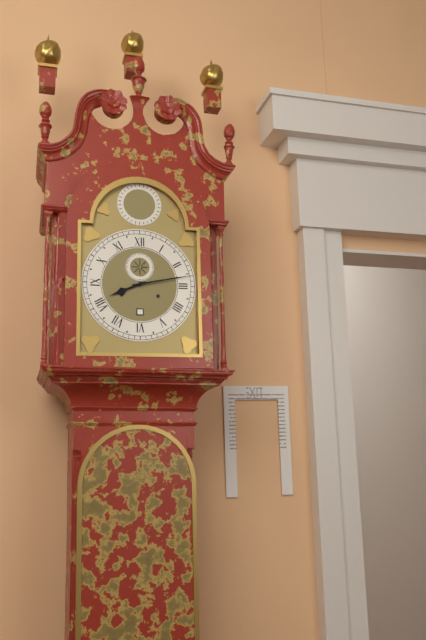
8:13
